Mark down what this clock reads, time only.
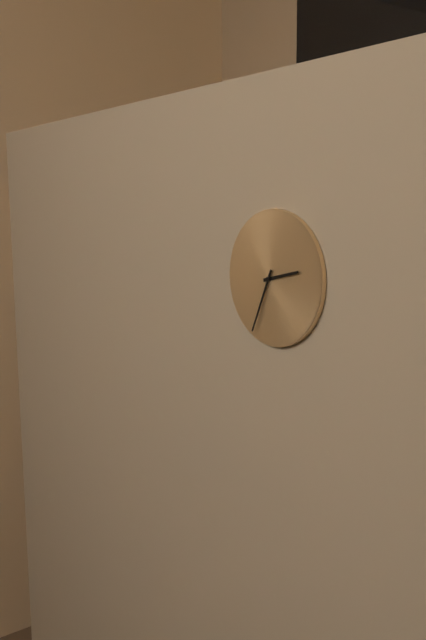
2:34
